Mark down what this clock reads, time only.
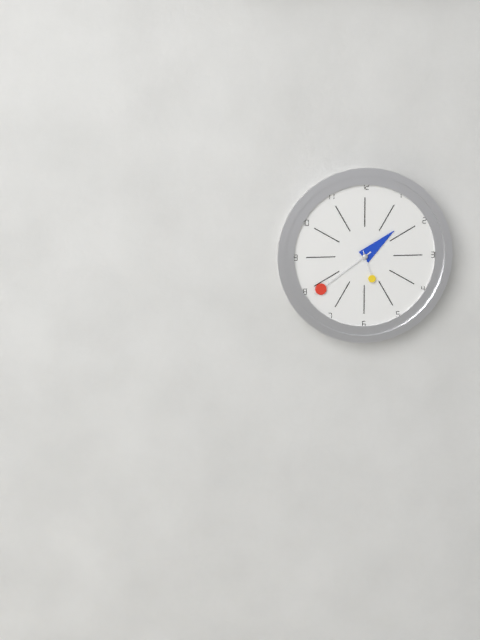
1:39
